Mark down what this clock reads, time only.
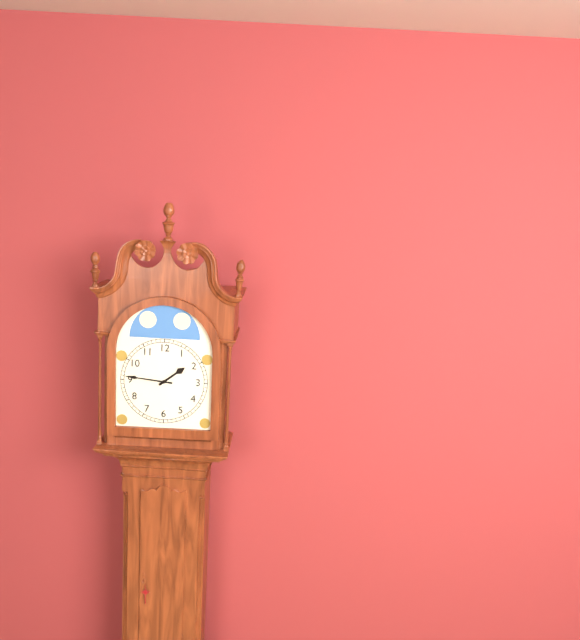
1:46
